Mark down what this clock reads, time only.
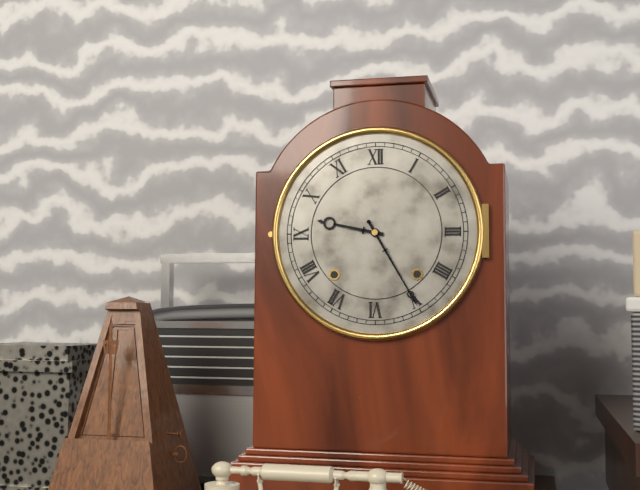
9:25
